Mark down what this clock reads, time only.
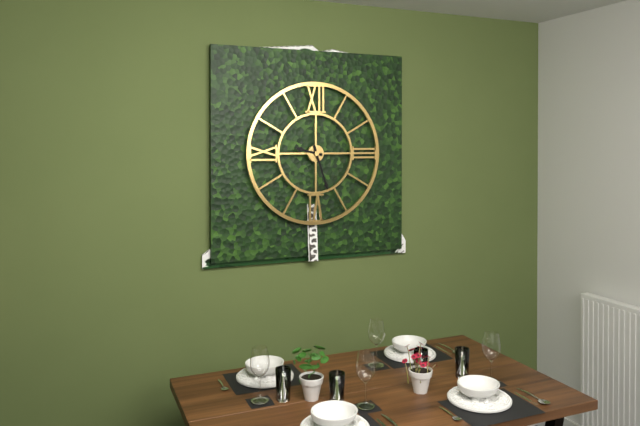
9:27
